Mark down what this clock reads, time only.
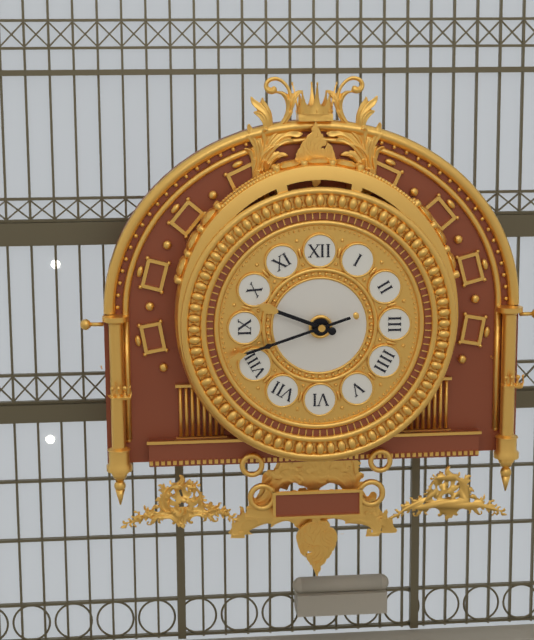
9:42
